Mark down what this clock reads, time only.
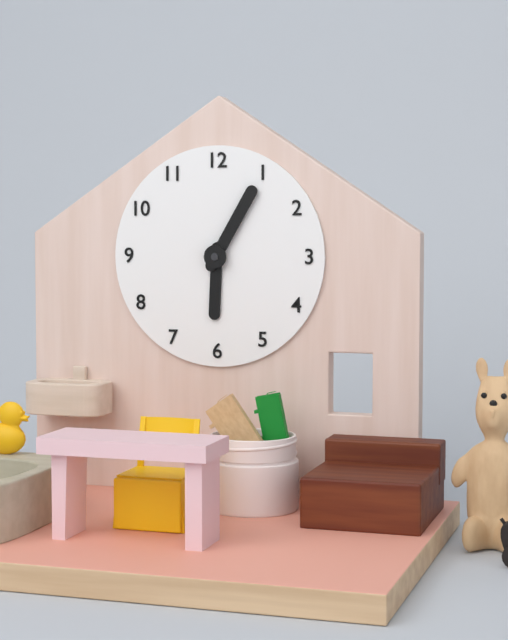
6:05
